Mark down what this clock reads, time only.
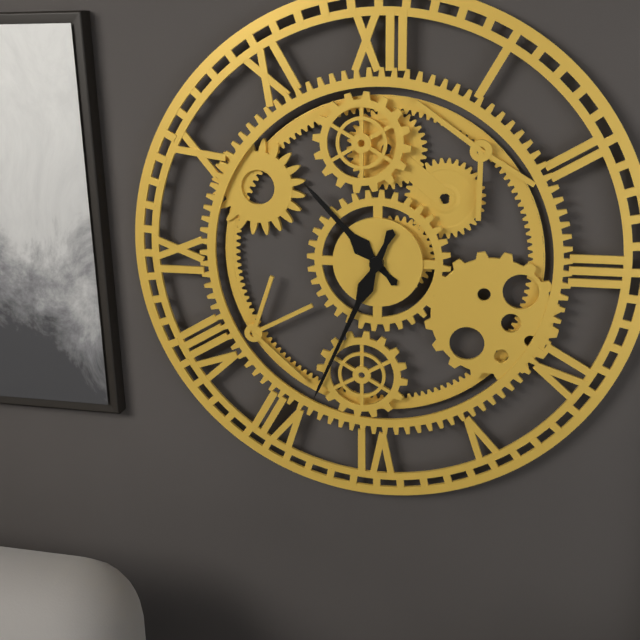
10:34
